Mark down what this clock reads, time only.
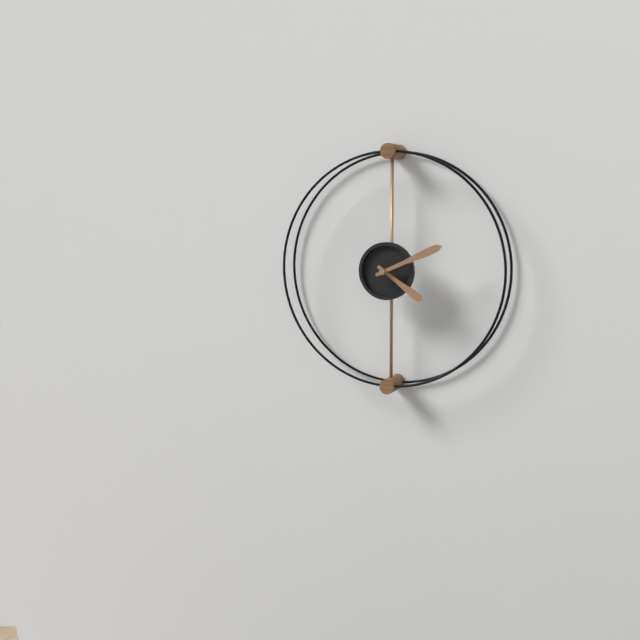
4:11
